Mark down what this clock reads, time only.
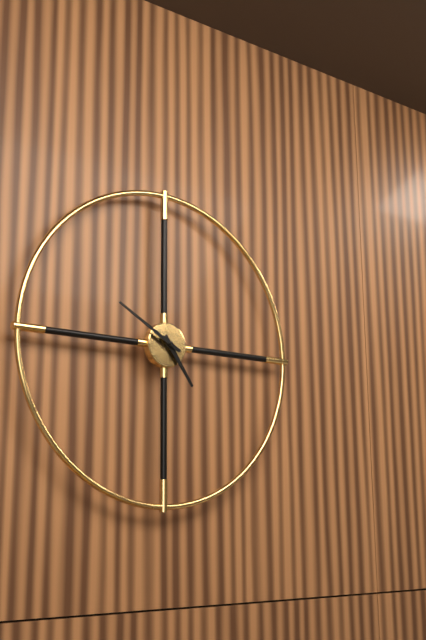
4:50
